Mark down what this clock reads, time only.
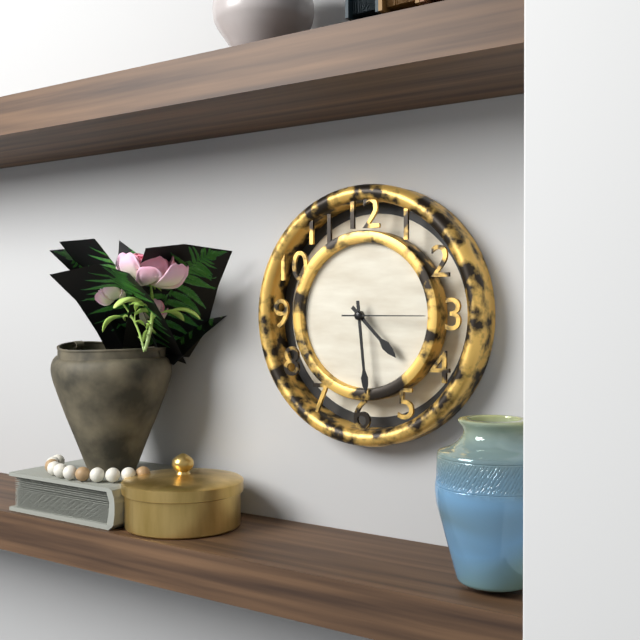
4:29:15
